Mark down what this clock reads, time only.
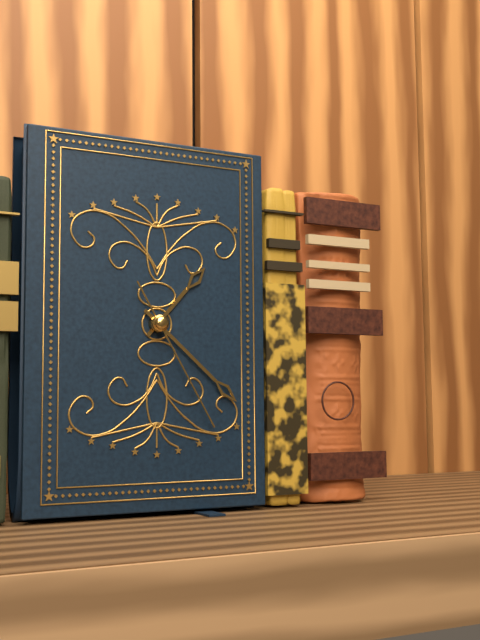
1:22:25
